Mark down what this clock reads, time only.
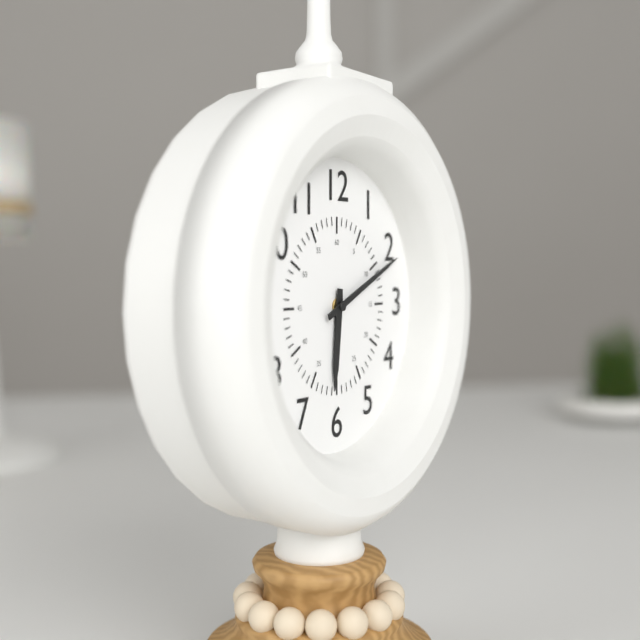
6:11
